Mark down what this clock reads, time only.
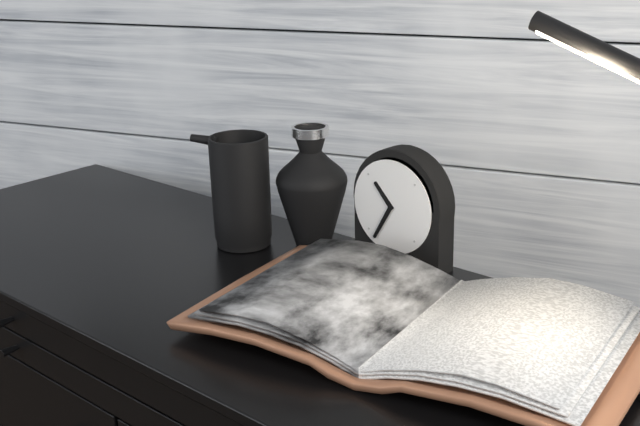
10:35
